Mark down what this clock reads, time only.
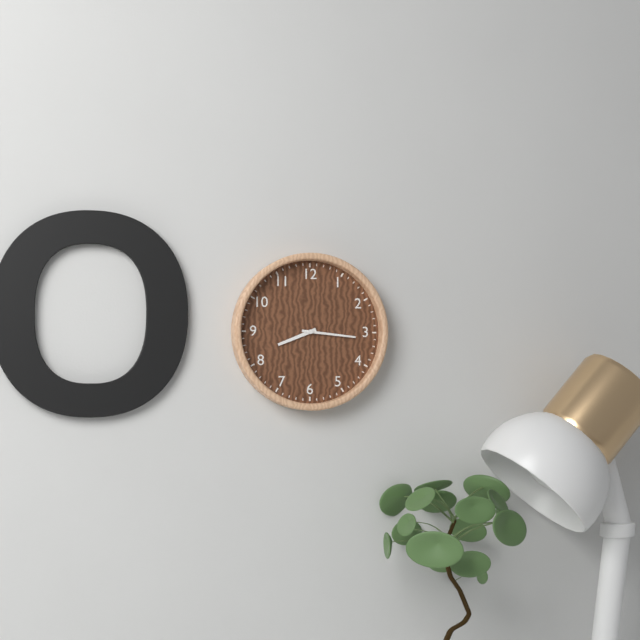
8:16
